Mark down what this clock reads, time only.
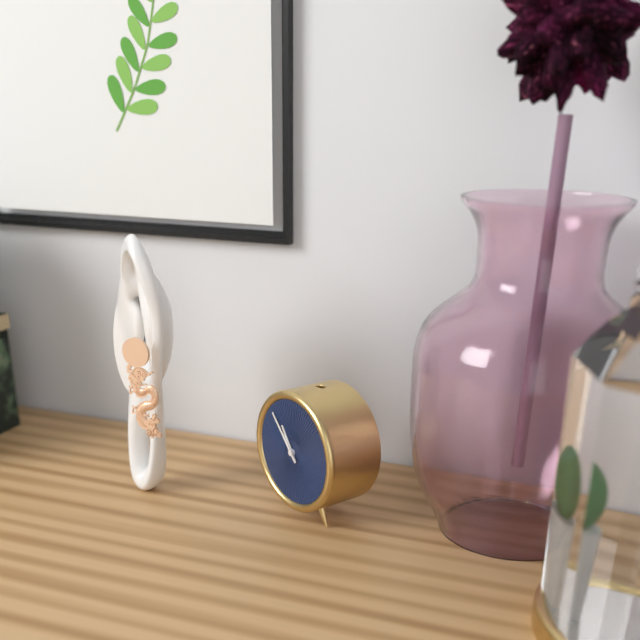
10:53
